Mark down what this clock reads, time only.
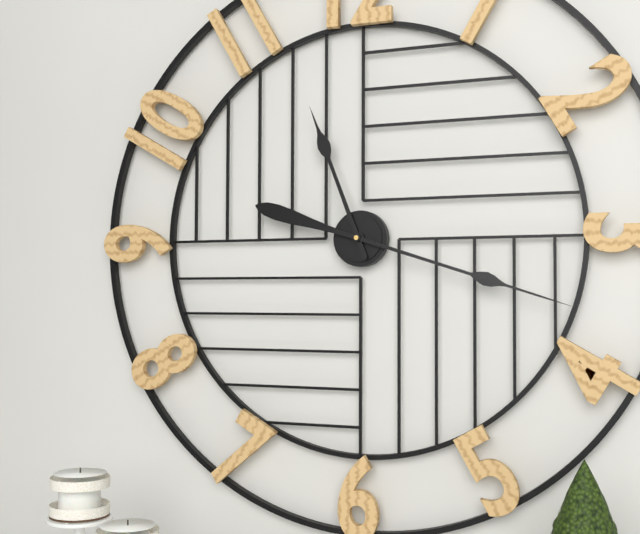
11:18
